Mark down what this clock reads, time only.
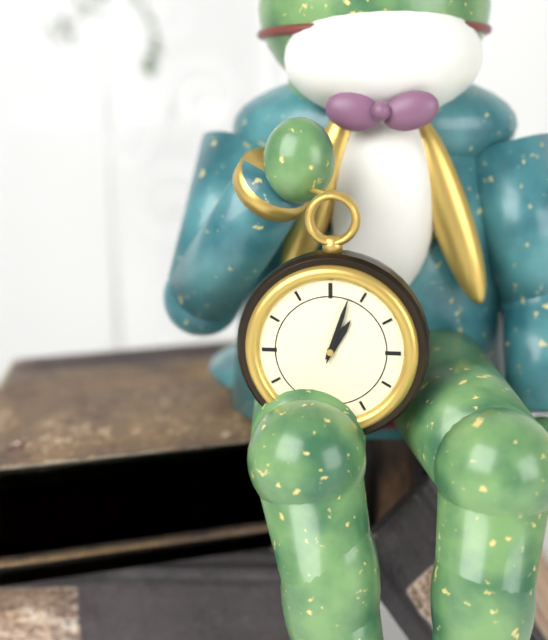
1:03
